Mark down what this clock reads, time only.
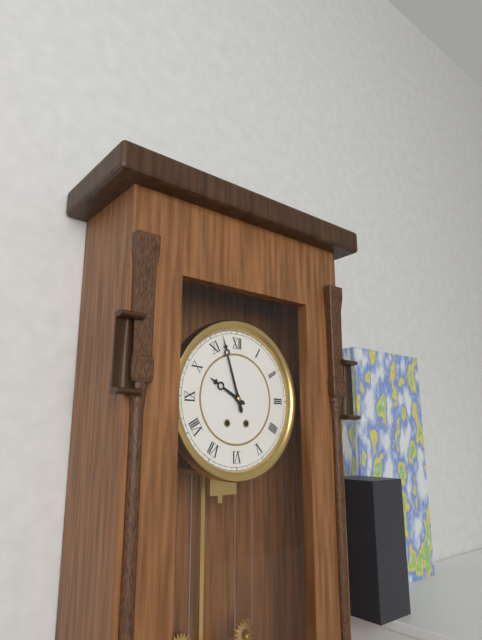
9:57
